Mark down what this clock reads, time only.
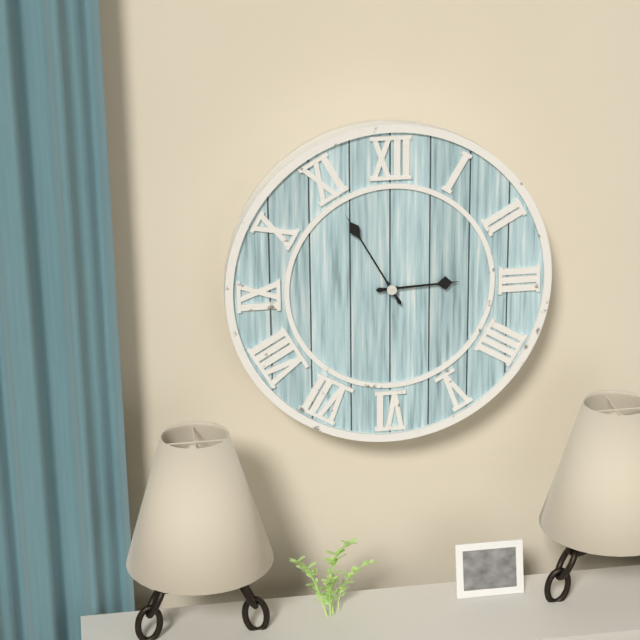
2:55
